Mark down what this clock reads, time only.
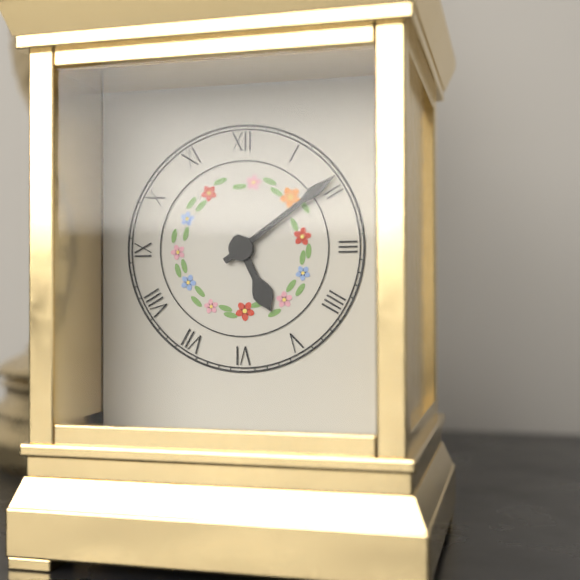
5:09
